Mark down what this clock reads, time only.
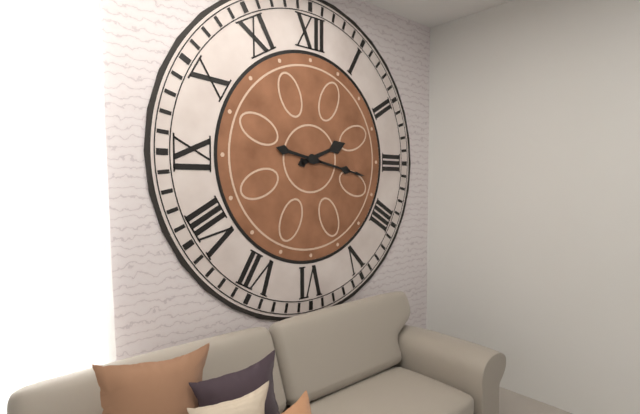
2:17
